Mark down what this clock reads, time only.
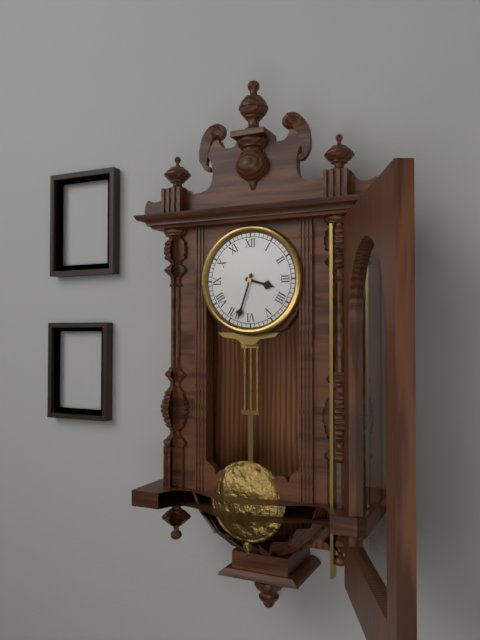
3:33
